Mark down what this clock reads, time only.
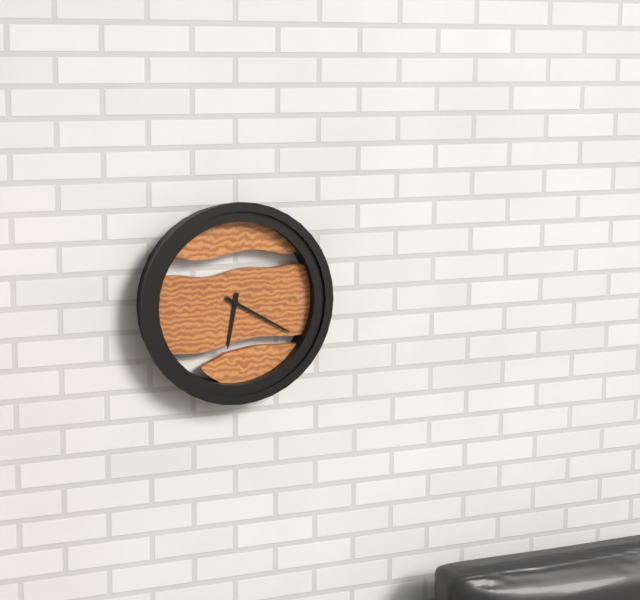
6:20
